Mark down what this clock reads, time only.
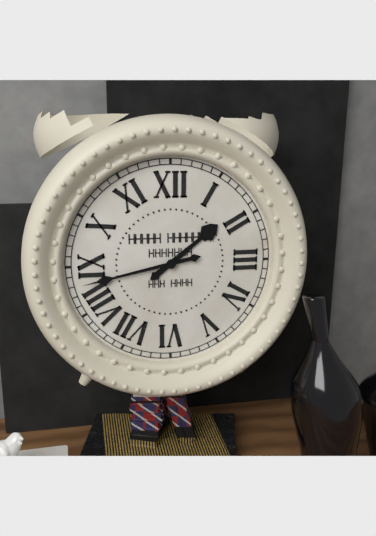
1:43
